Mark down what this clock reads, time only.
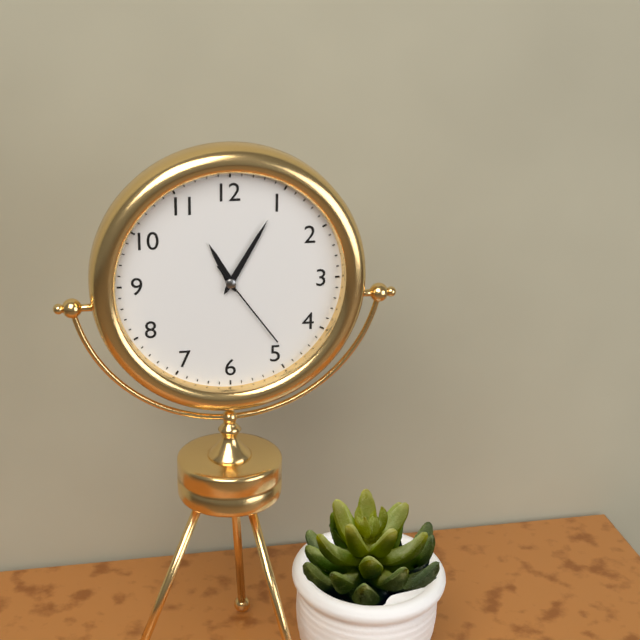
11:05:24
